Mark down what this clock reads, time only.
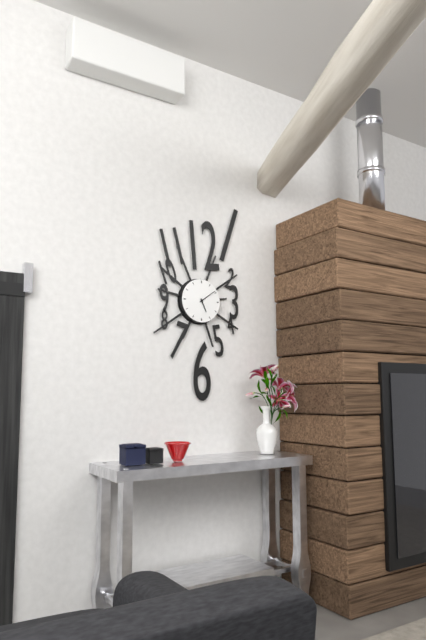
5:09
